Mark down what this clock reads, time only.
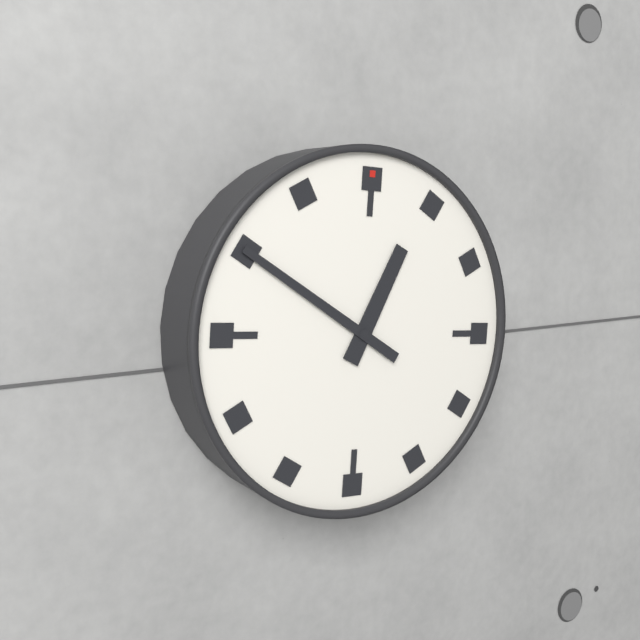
12:50
